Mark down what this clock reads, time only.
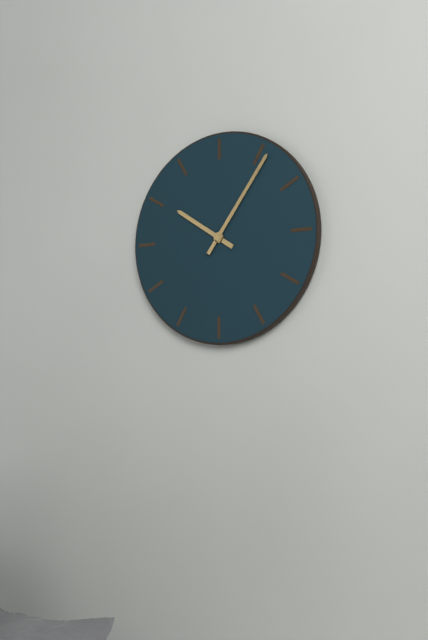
10:06
